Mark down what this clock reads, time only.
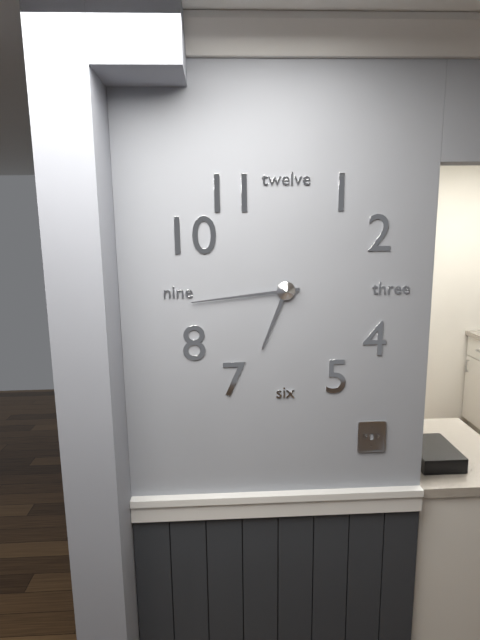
6:44
